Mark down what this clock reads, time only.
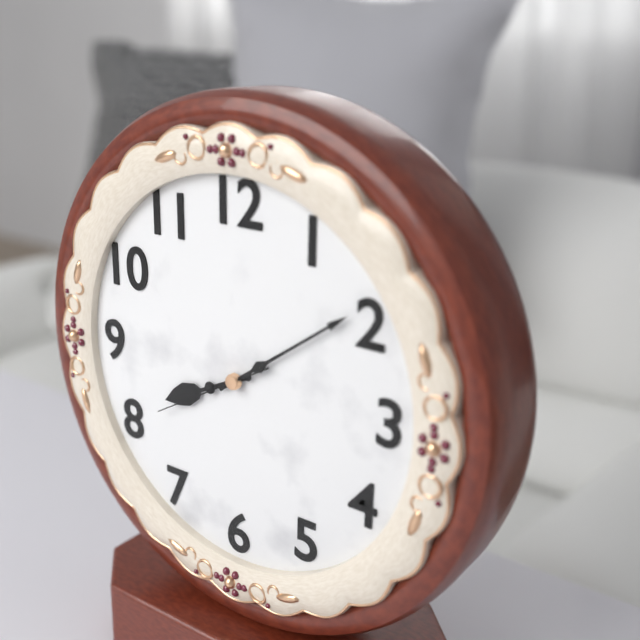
8:09:40
